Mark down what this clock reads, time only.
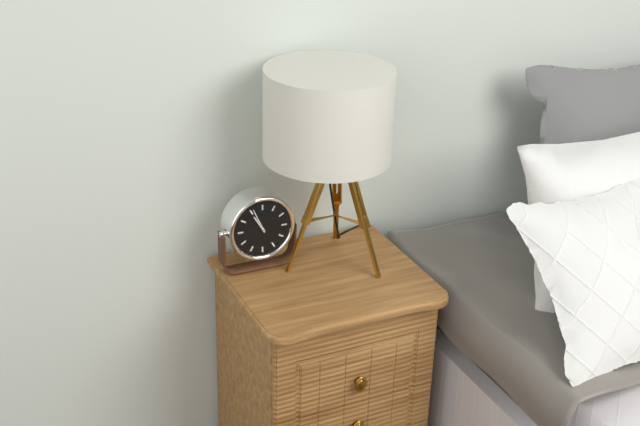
10:56
